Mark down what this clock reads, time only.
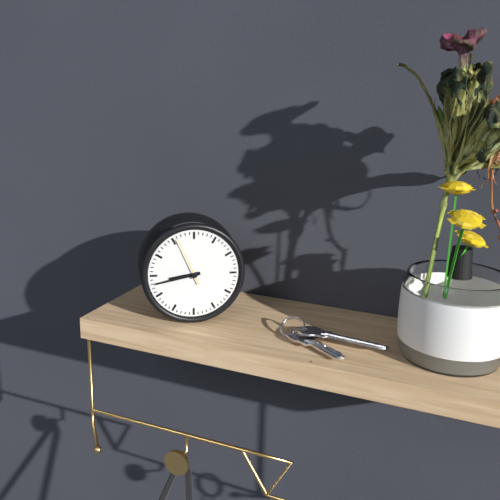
8:43
